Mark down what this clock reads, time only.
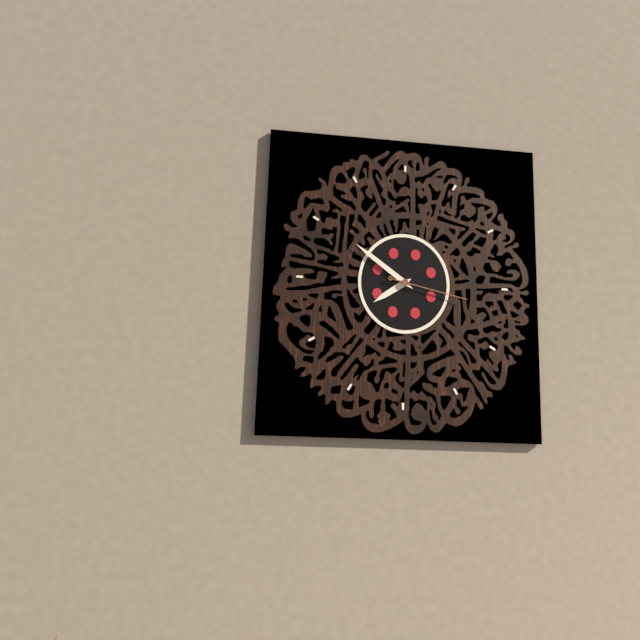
7:51:17
